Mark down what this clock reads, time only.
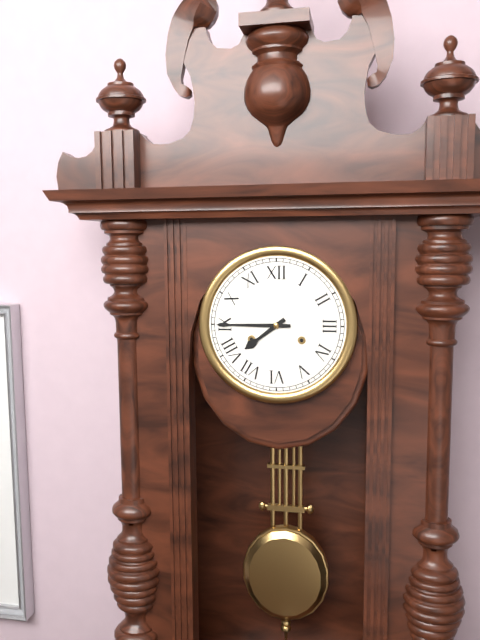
7:45
